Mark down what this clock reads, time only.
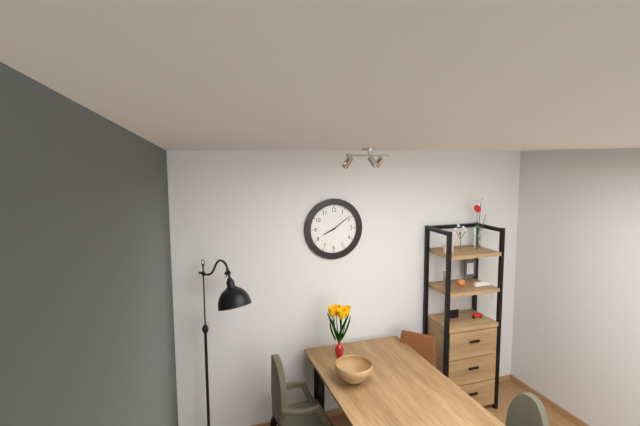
8:09
